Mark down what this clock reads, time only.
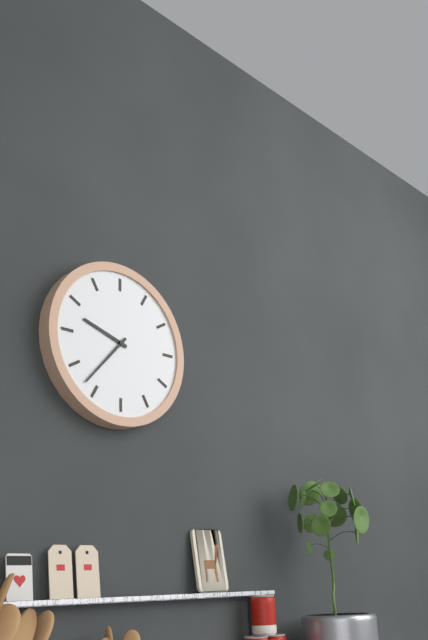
9:37
